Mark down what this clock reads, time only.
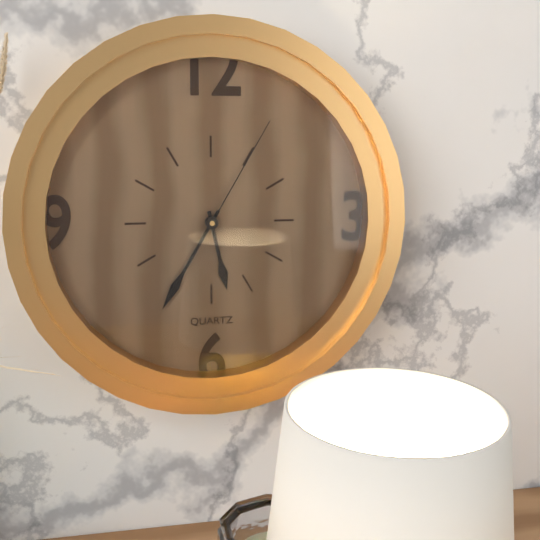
5:35:05
